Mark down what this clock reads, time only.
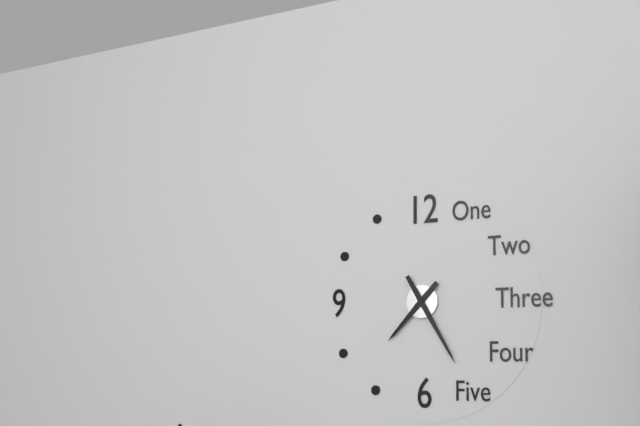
7:25
